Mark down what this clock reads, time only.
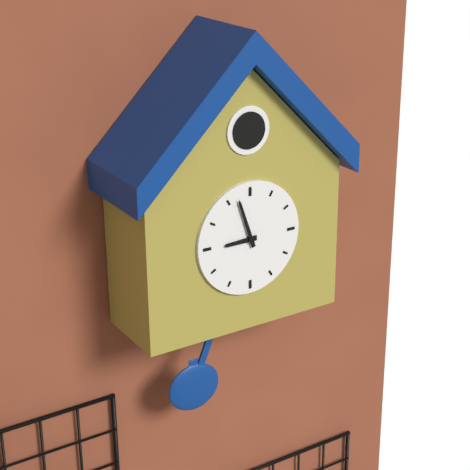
8:57
